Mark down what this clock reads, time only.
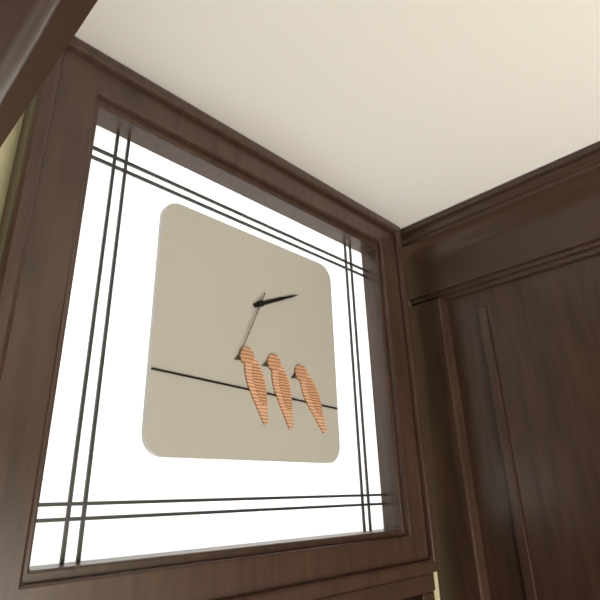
2:11:34
